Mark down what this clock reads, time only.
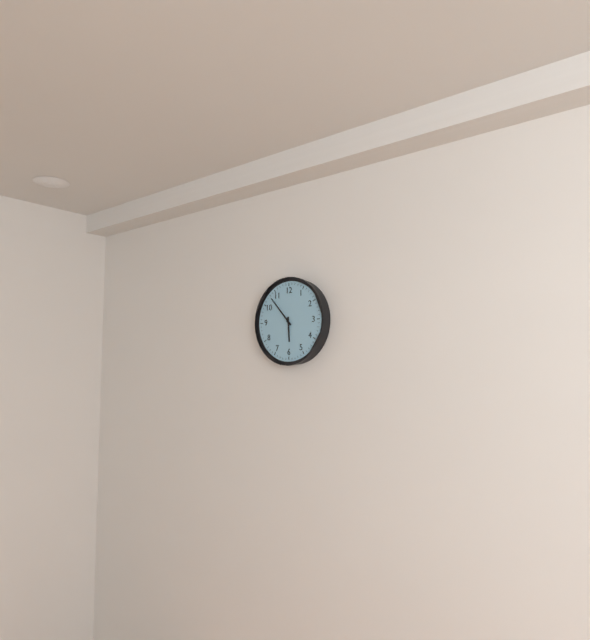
5:53
